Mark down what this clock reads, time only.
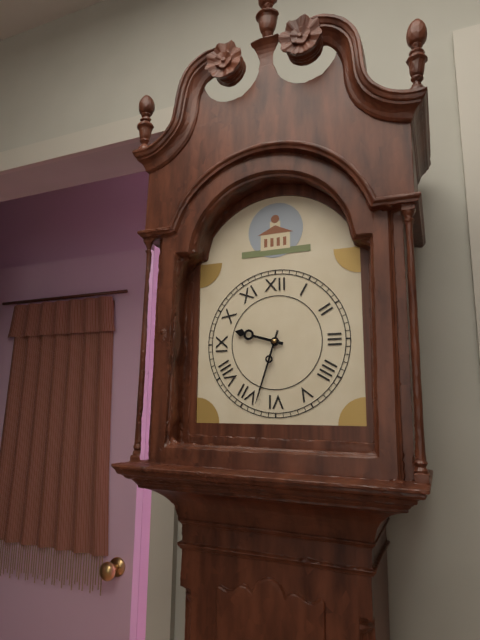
9:33
